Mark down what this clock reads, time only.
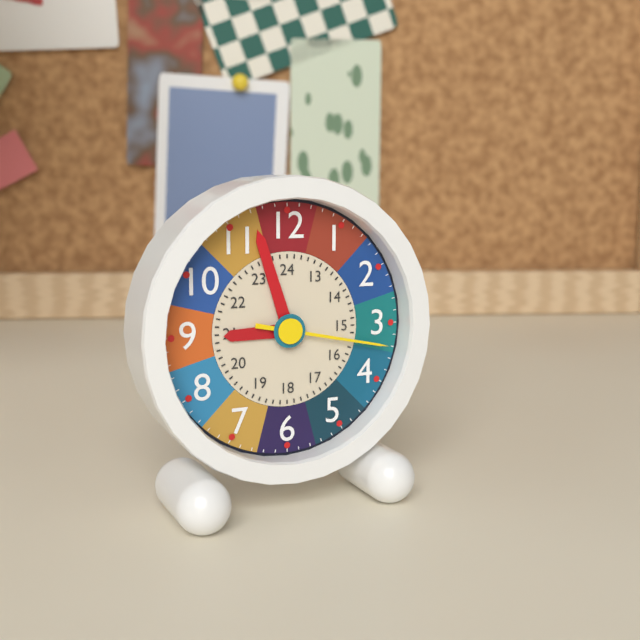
8:57:17
